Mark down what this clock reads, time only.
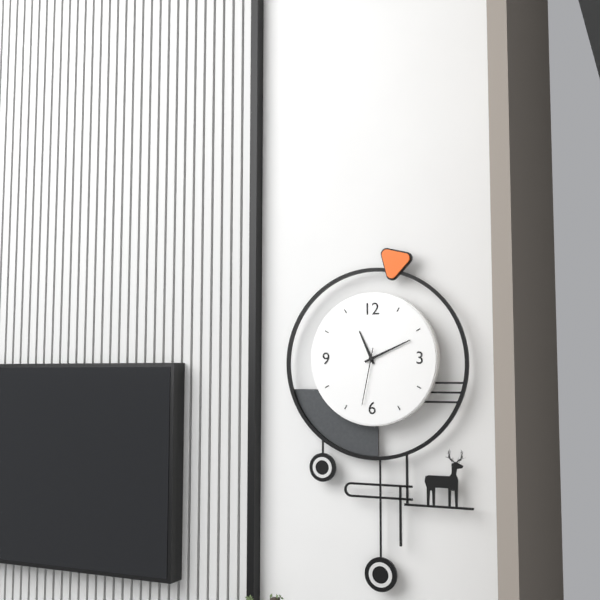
11:11:32
